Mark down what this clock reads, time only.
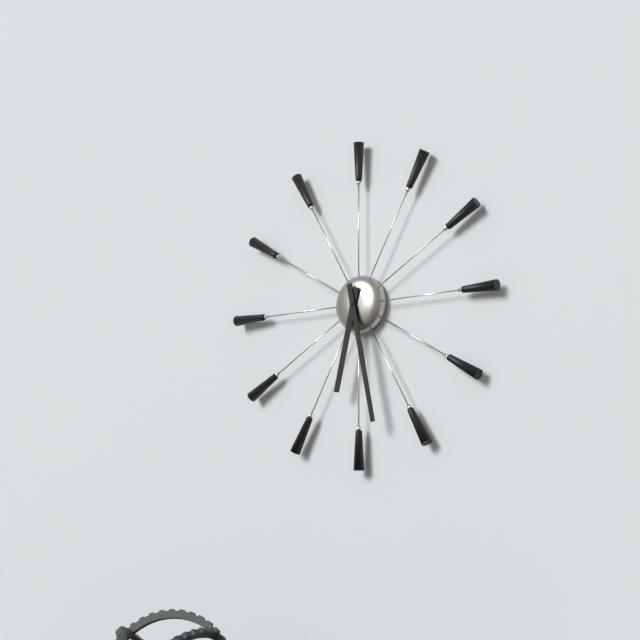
6:28
